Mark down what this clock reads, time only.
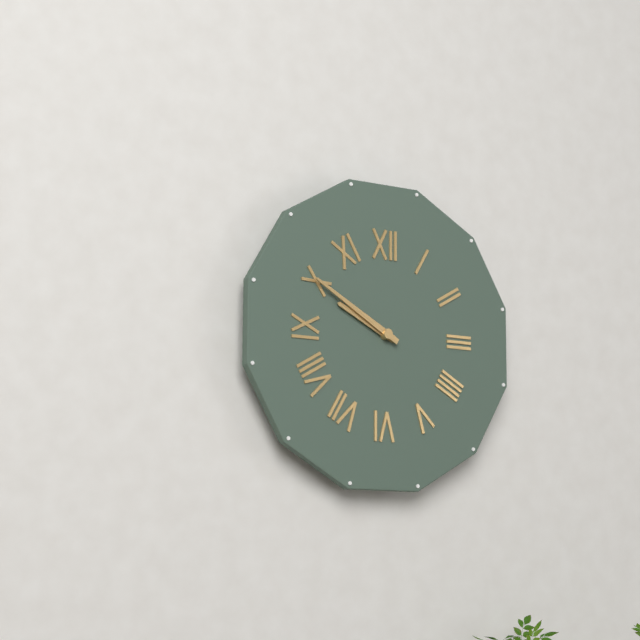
9:50
